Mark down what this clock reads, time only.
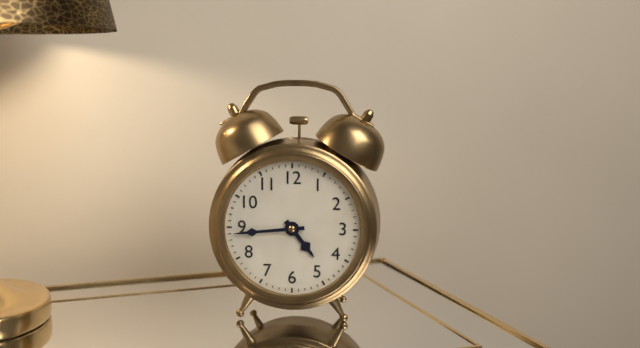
4:44
